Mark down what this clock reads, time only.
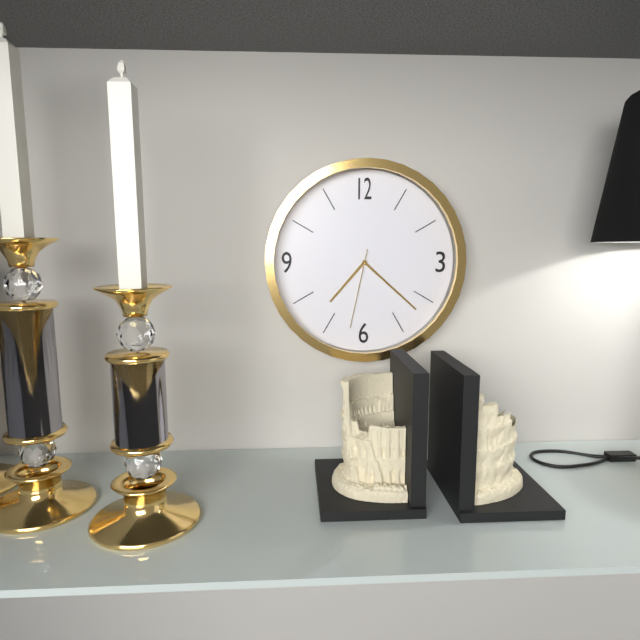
7:22:32
